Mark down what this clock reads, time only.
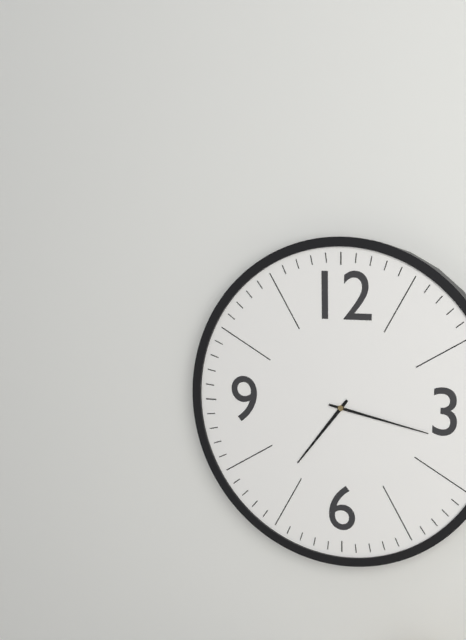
7:17
